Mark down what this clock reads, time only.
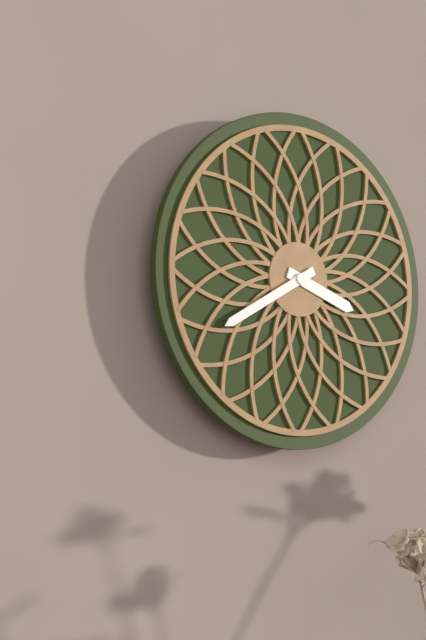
3:40
